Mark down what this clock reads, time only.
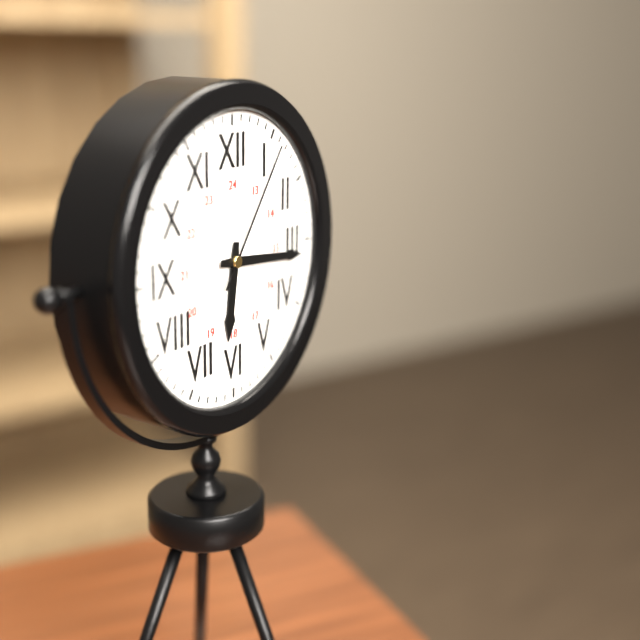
6:16:06
